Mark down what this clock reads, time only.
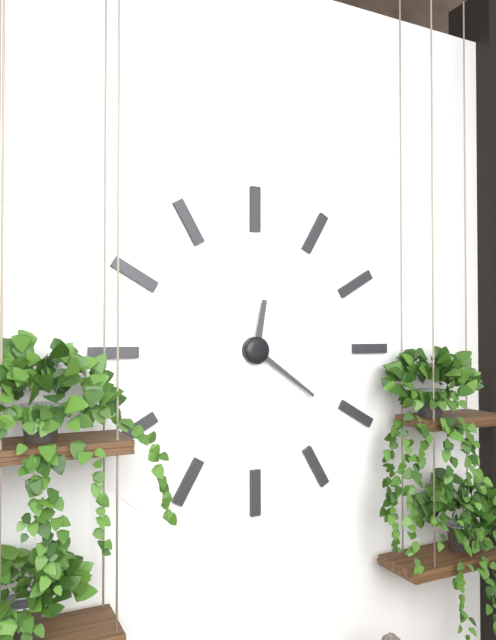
12:21
